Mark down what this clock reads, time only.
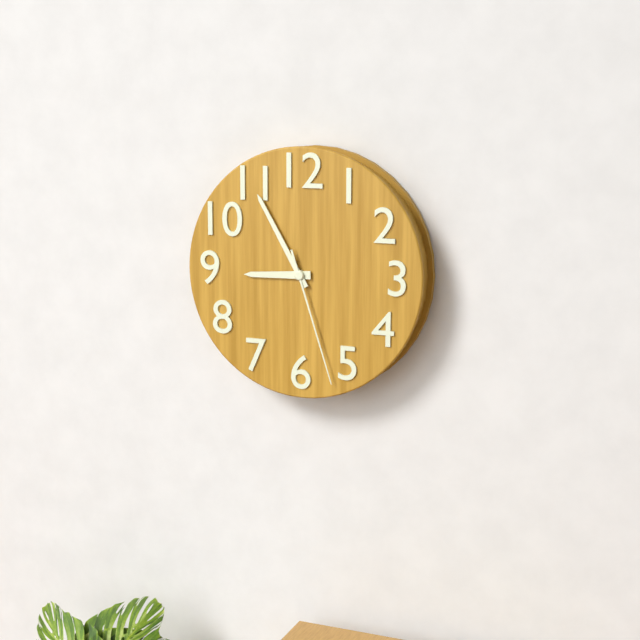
8:55:27
